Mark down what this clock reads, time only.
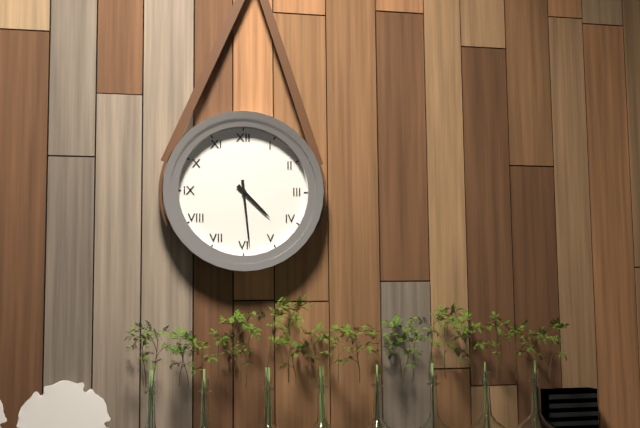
4:29
